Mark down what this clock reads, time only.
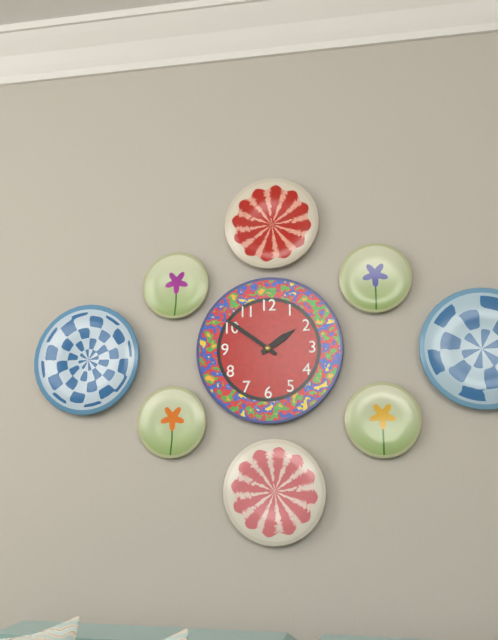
1:51
